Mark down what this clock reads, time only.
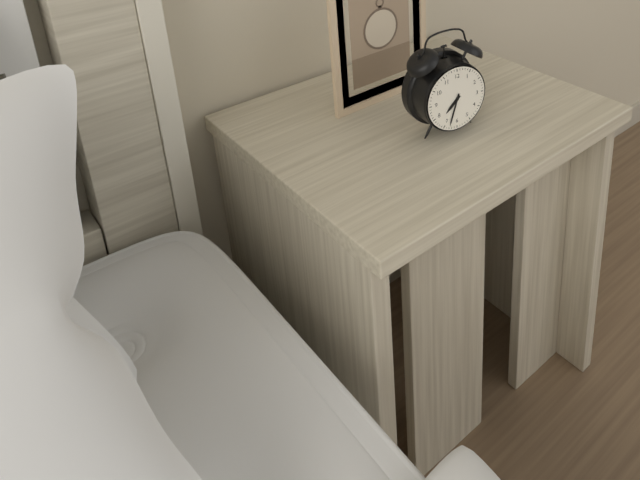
7:33
